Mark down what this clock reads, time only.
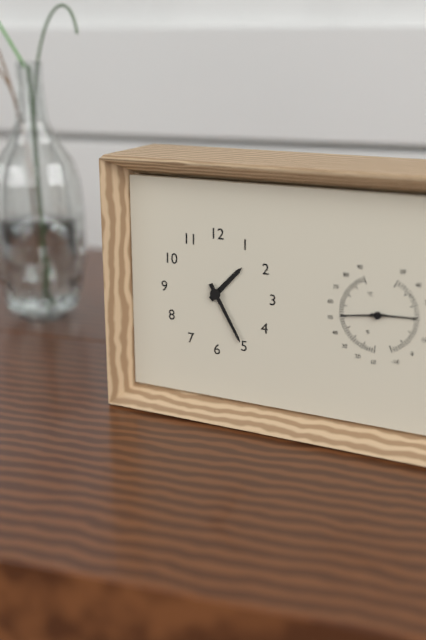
1:25
